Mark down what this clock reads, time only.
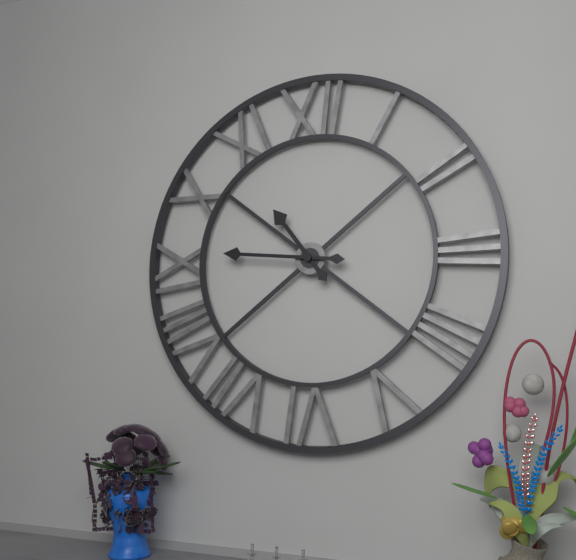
10:46
